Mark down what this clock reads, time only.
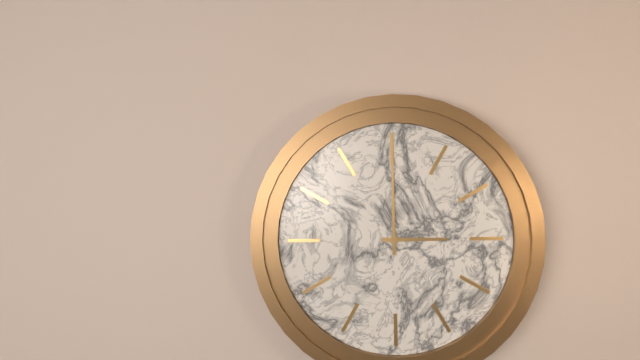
3:00
